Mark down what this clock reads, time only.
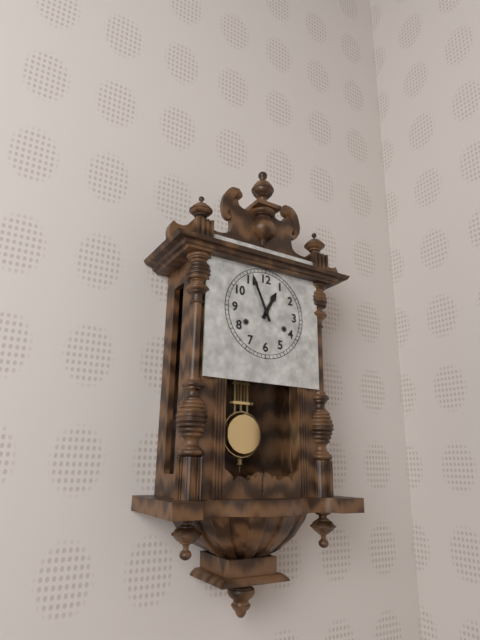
12:56
